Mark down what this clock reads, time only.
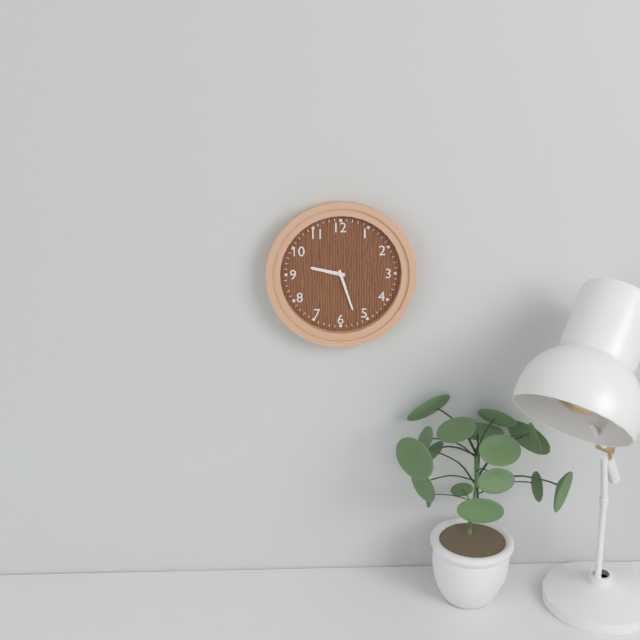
9:27
